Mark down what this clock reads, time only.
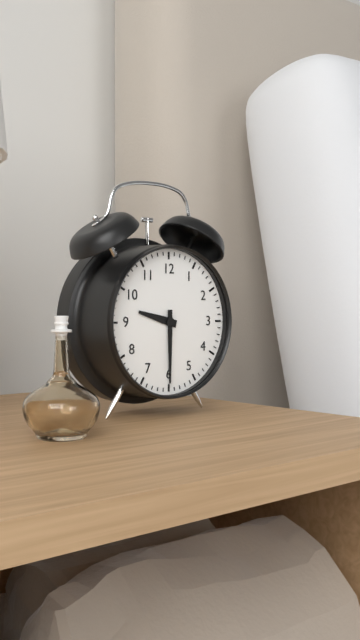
9:30
